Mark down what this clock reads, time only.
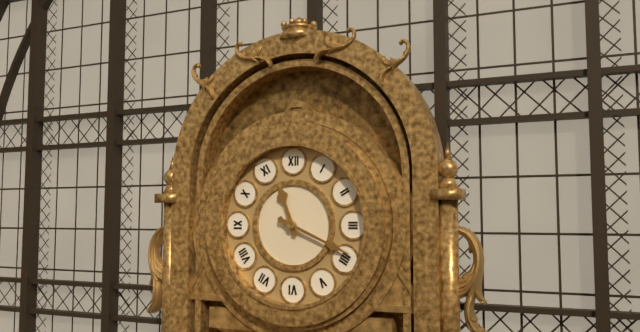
11:19
